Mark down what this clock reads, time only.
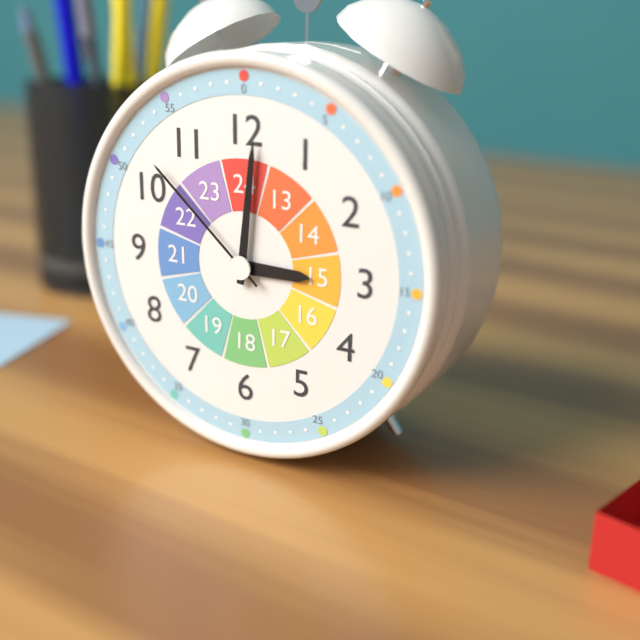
3:01:52
